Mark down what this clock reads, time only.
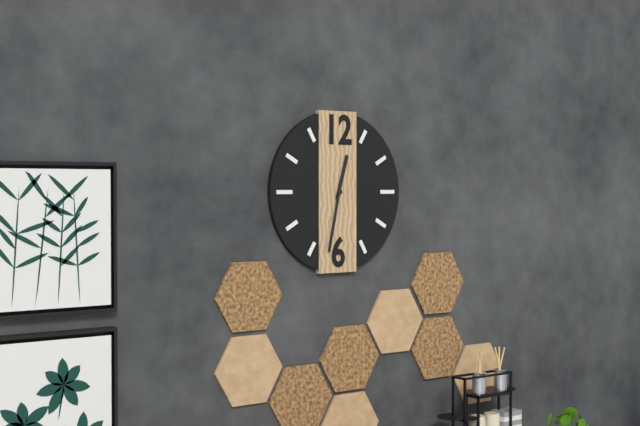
12:32
